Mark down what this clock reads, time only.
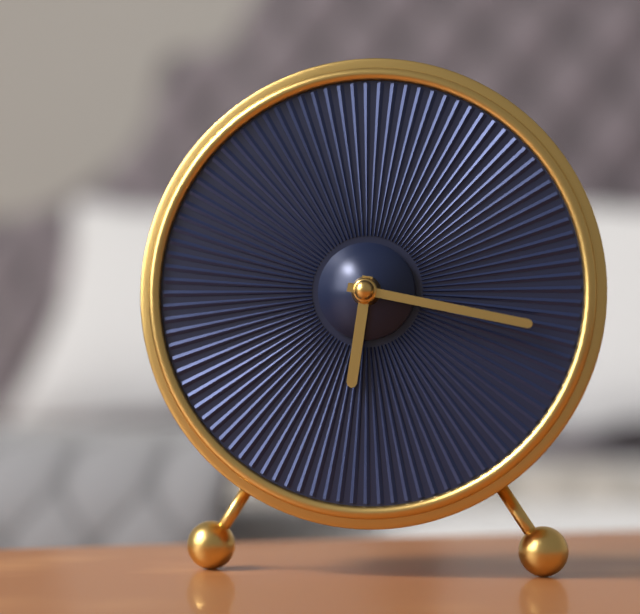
6:17
